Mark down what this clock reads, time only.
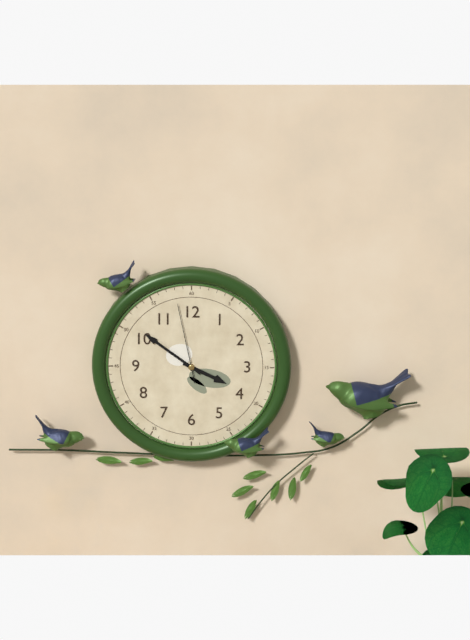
3:51:58
